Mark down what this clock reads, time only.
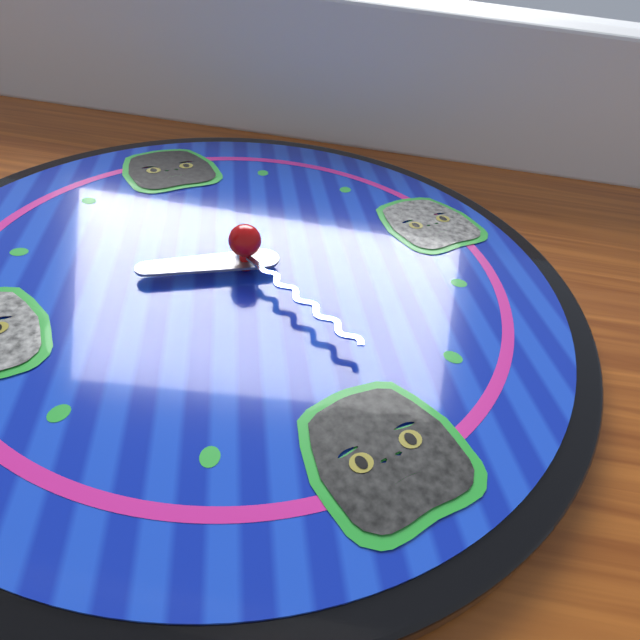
9:28
